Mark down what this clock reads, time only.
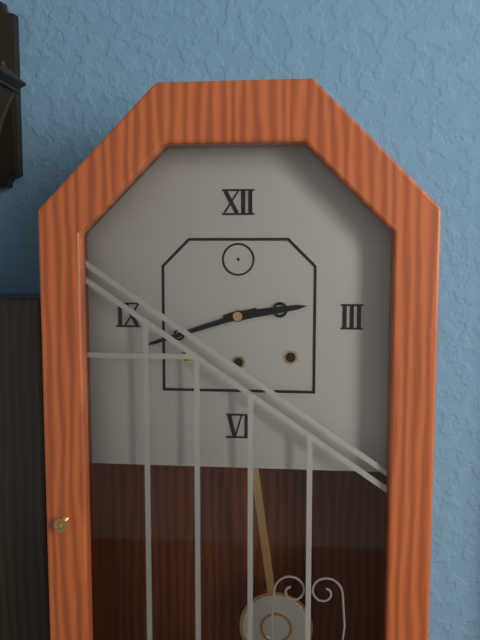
2:42
